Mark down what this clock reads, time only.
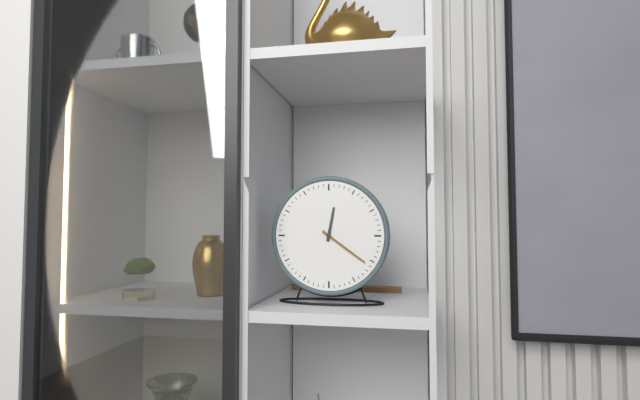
12:21
